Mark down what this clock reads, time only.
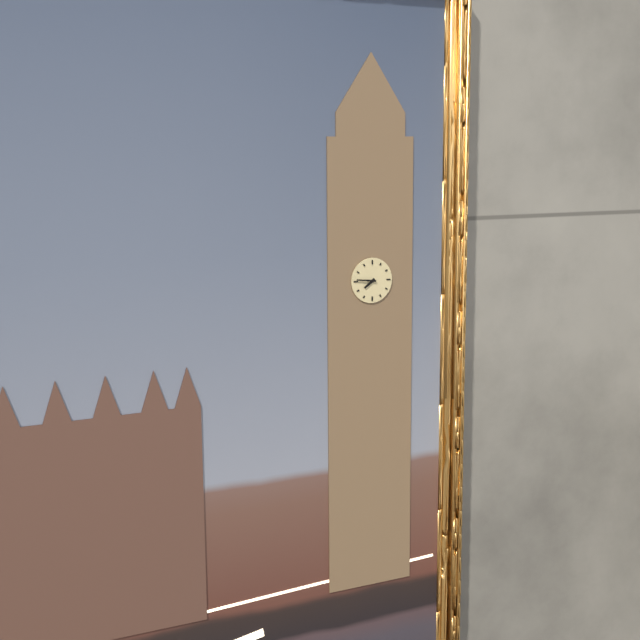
7:46
